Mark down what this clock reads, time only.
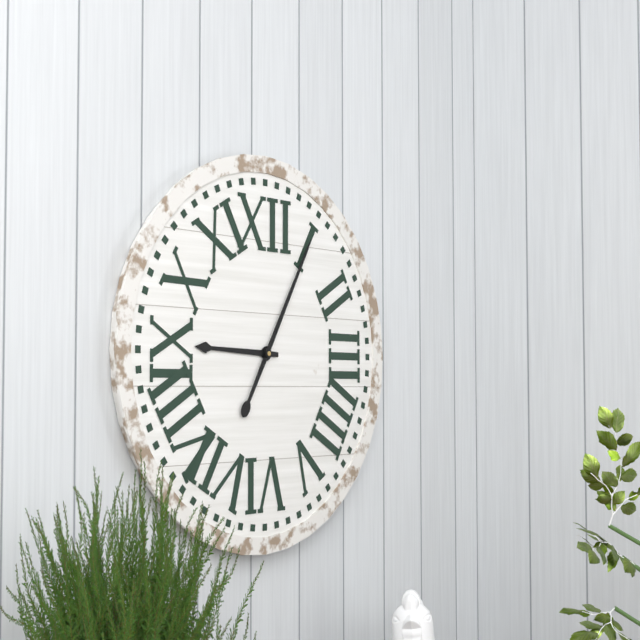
9:05
